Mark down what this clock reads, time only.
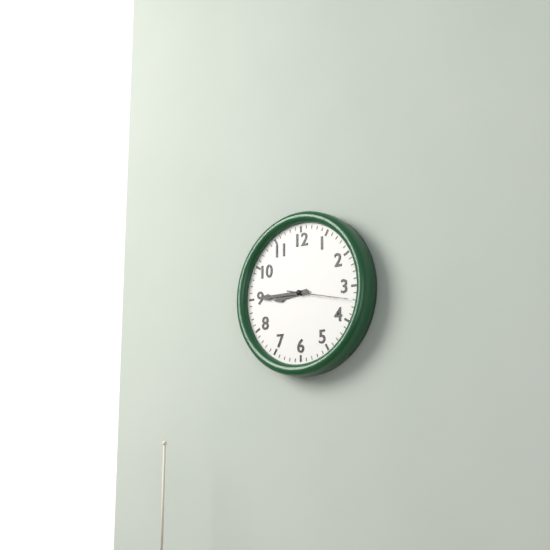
8:45
